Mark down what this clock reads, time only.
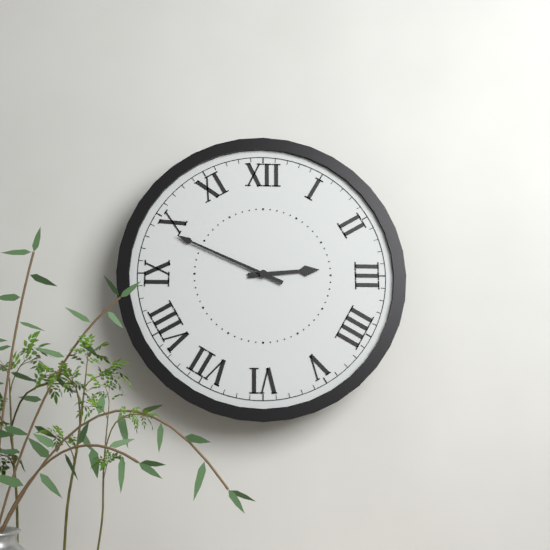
2:49
